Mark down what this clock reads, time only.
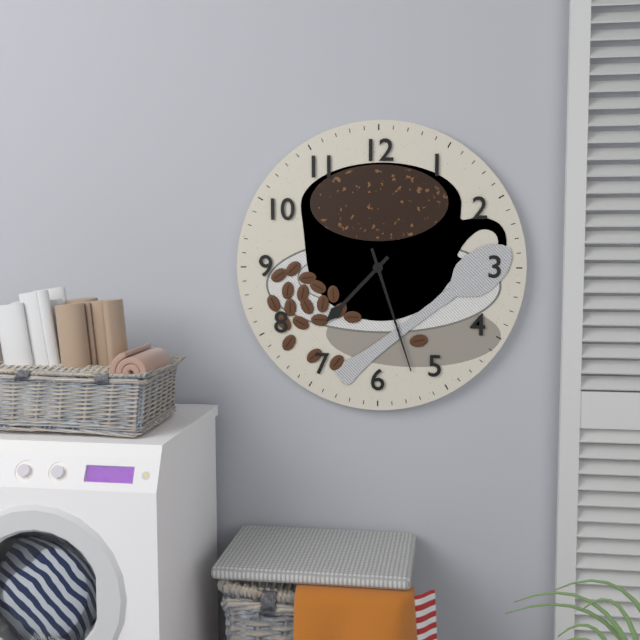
7:27
